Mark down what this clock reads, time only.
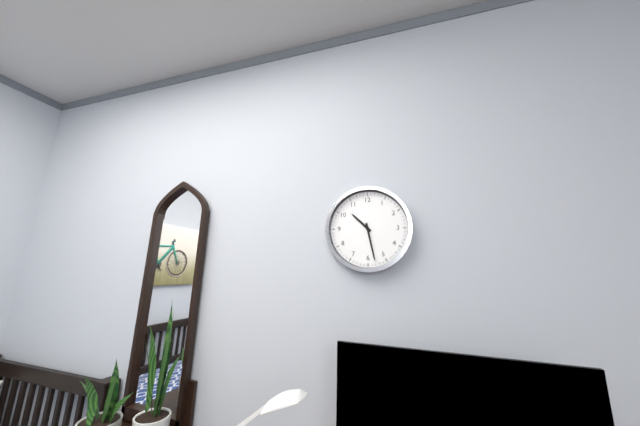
10:28
